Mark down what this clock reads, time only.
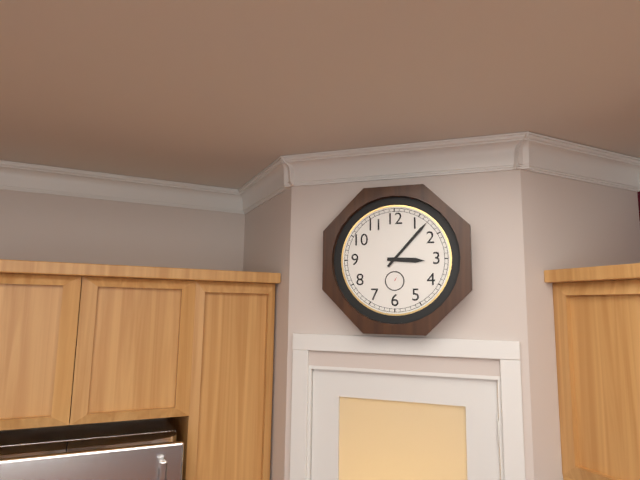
3:07
